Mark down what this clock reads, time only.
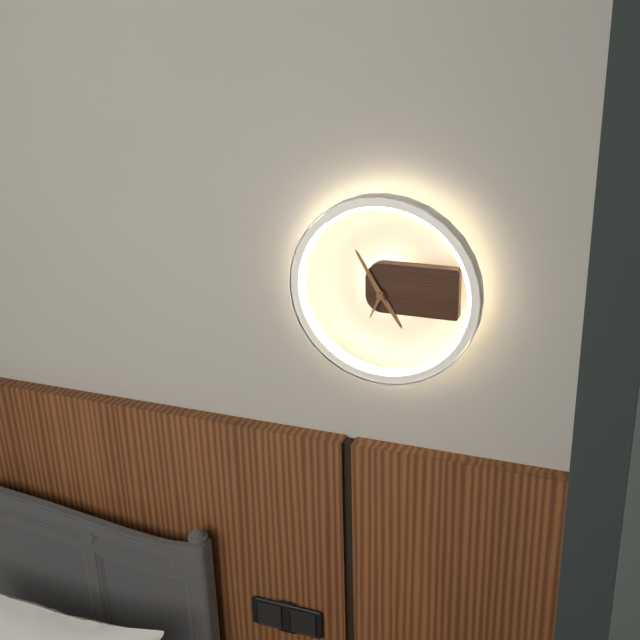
4:55:34
